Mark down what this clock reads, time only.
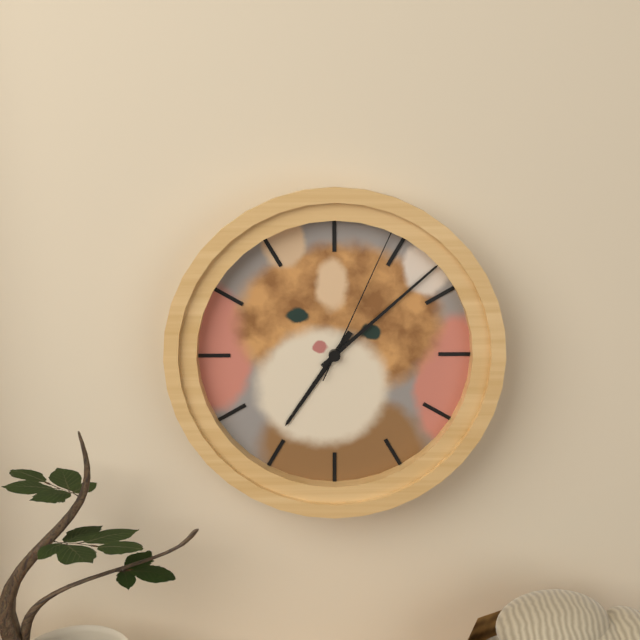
7:08:04
